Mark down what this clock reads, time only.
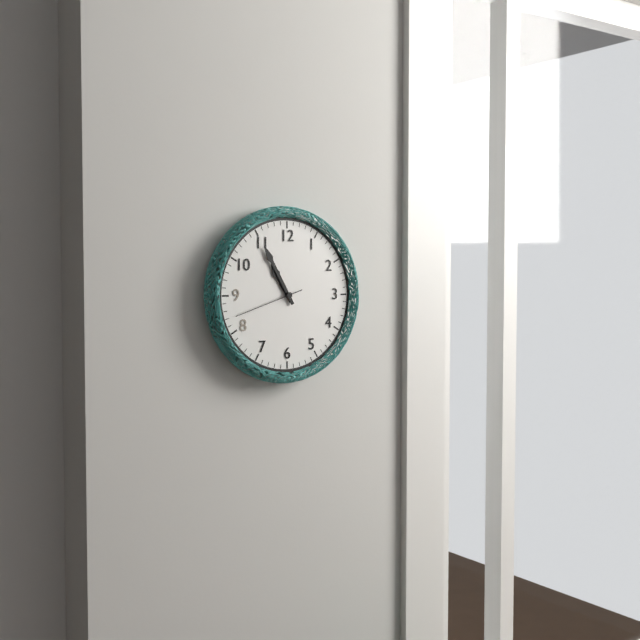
10:55:42
